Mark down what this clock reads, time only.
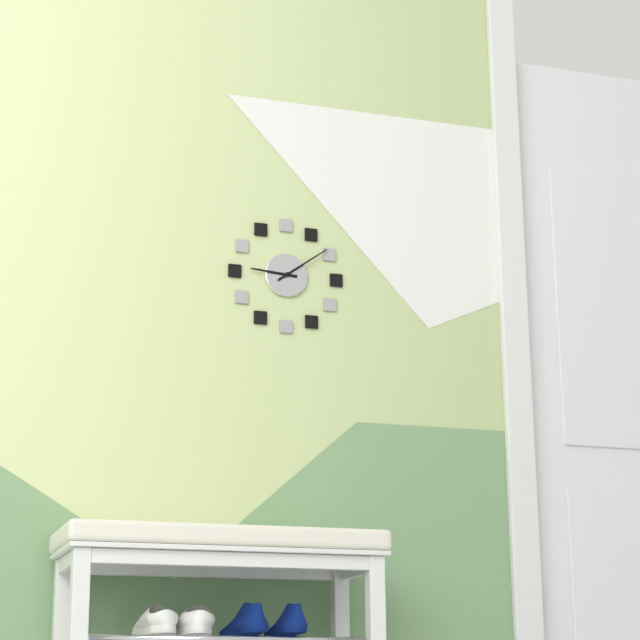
9:09
